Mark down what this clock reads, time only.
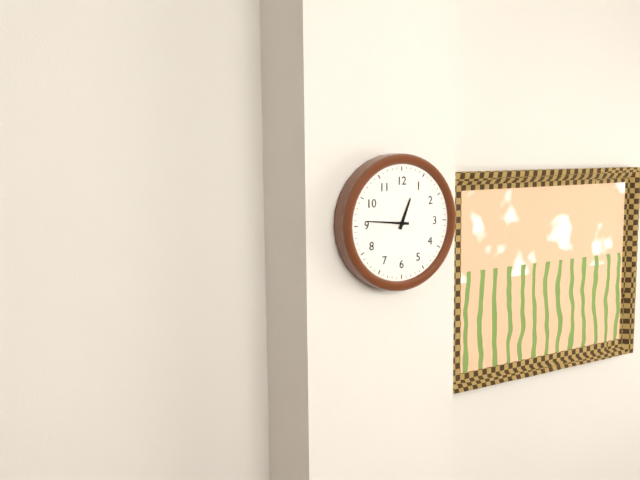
12:46
